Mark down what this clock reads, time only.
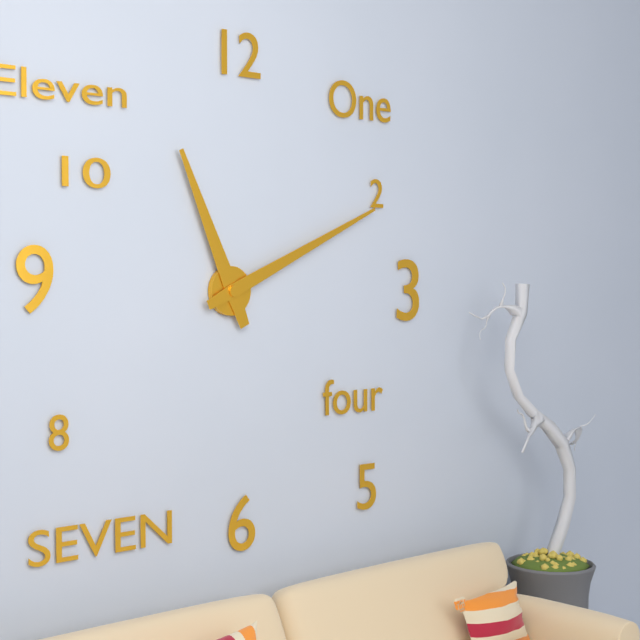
11:11
